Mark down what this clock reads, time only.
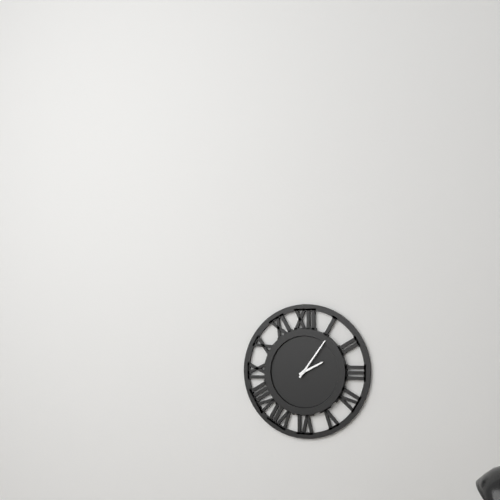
2:06
